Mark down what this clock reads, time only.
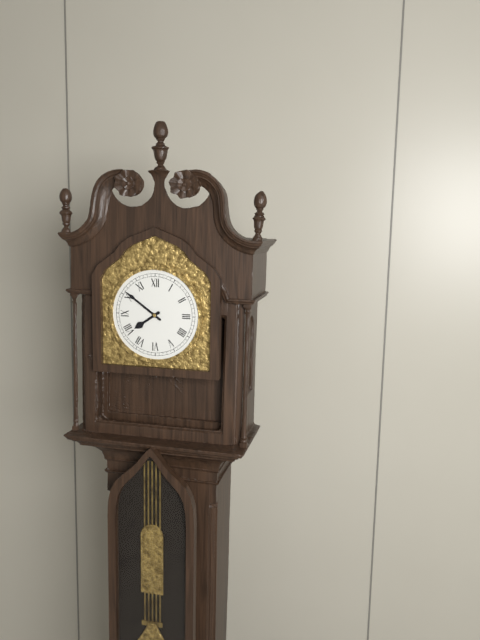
7:51
